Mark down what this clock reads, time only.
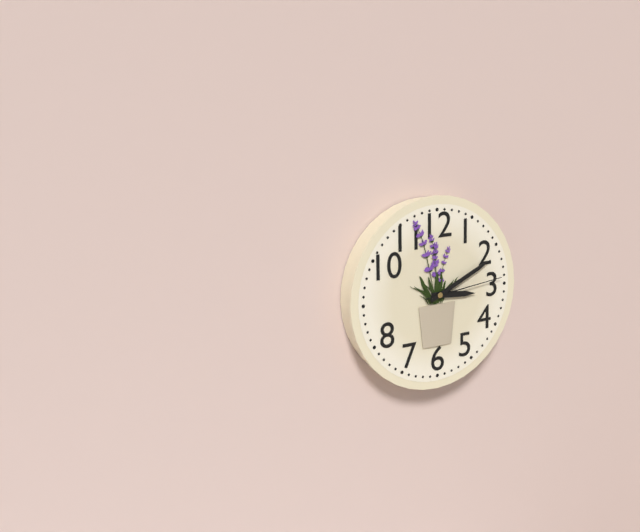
3:11:14
